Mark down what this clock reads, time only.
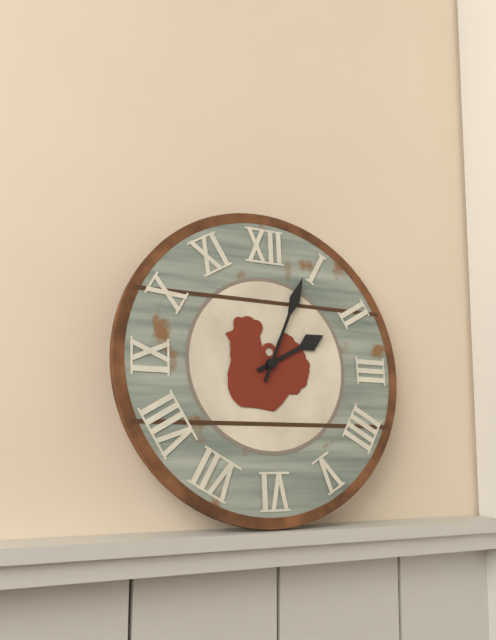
2:04
